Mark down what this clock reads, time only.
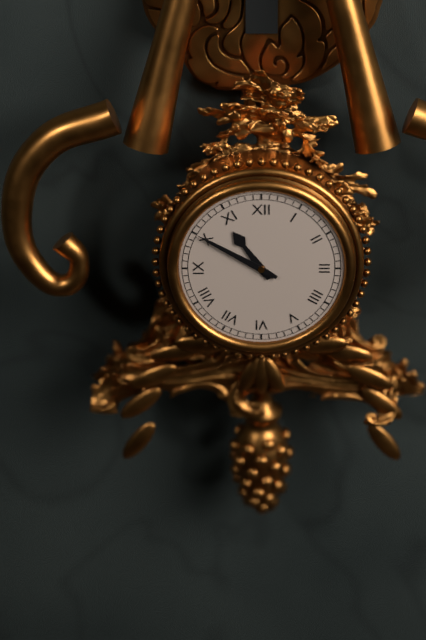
10:50
